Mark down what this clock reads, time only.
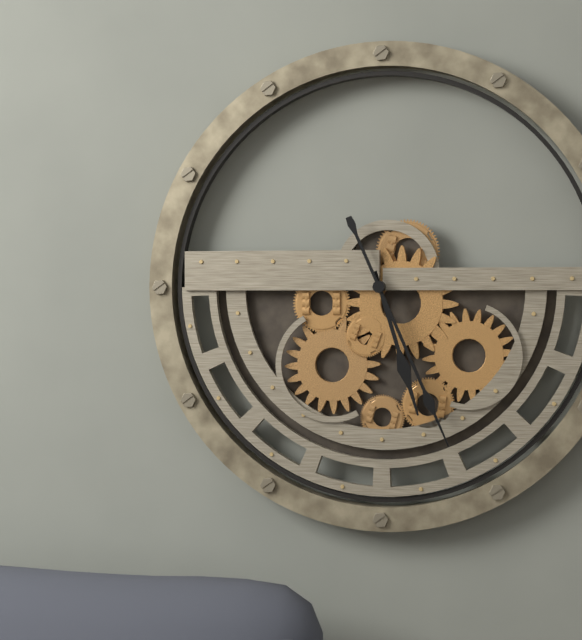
5:26
